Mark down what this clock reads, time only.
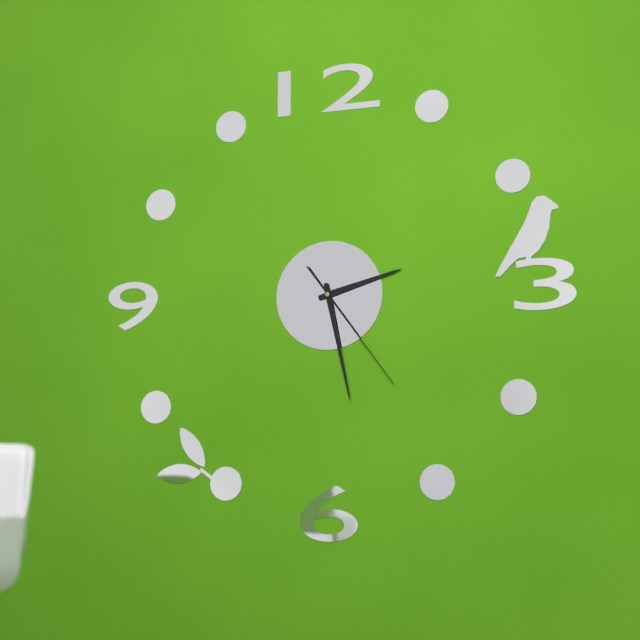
2:28:24
